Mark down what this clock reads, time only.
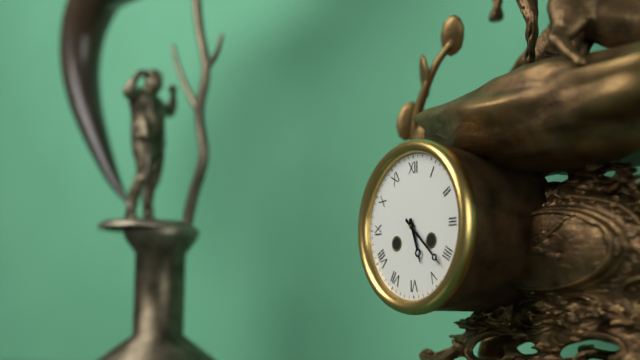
5:22
